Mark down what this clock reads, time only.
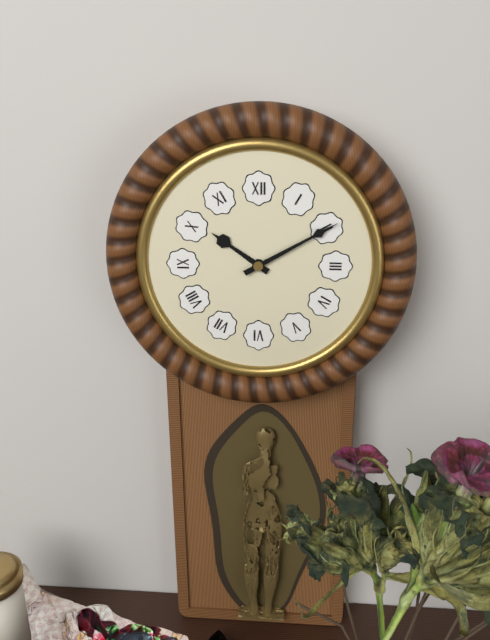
10:10
